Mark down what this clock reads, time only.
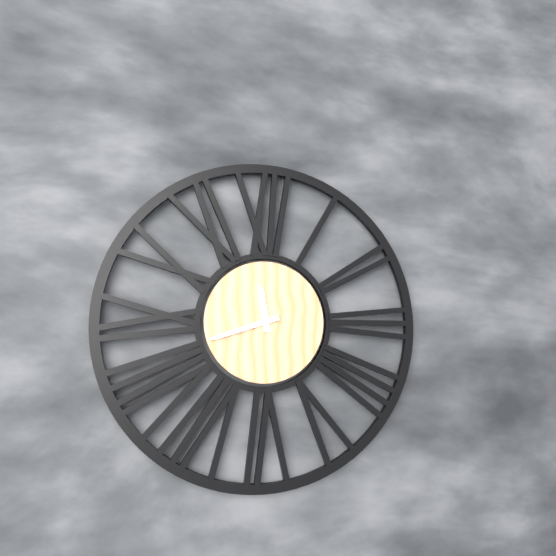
11:42
